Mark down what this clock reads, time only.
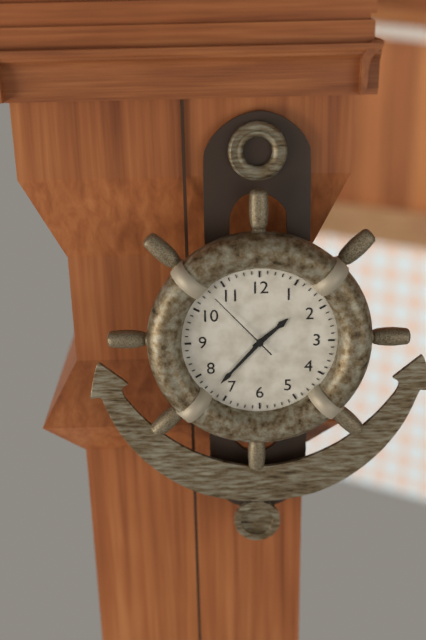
1:37:53
